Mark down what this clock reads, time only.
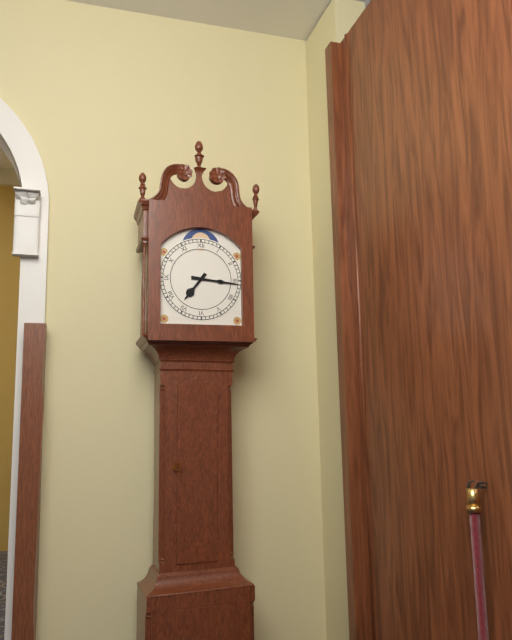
7:16
